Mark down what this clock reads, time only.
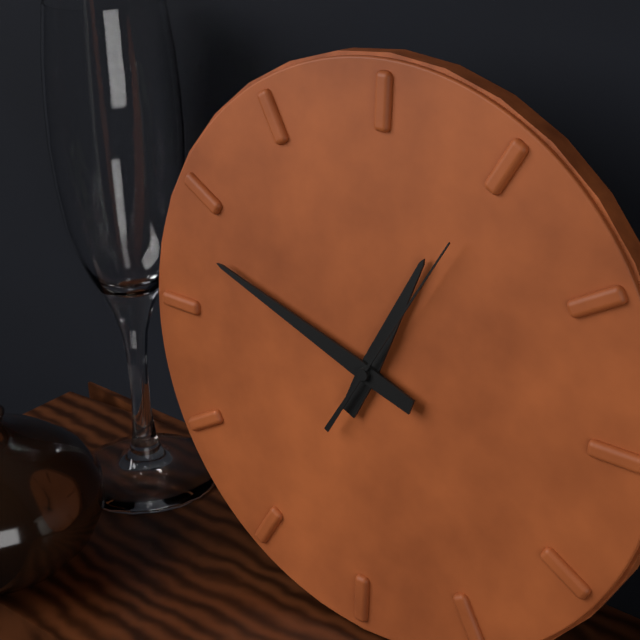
12:48:05
